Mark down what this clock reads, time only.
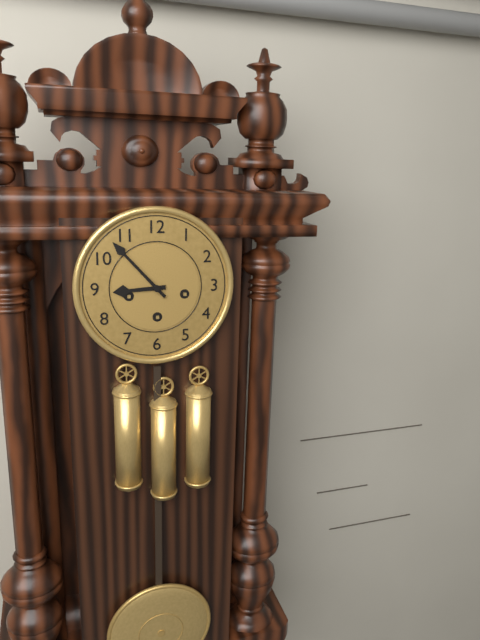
8:53
